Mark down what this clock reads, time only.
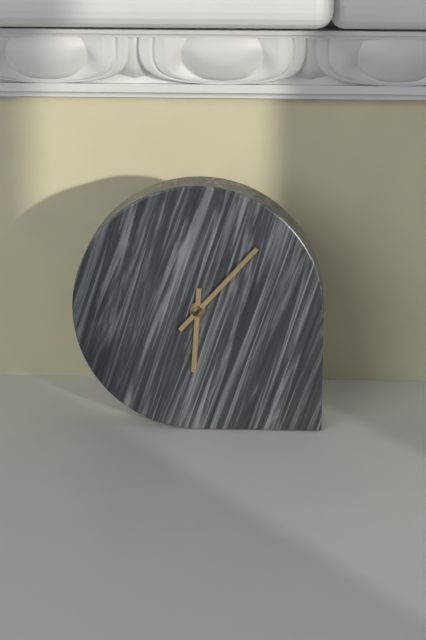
6:07
